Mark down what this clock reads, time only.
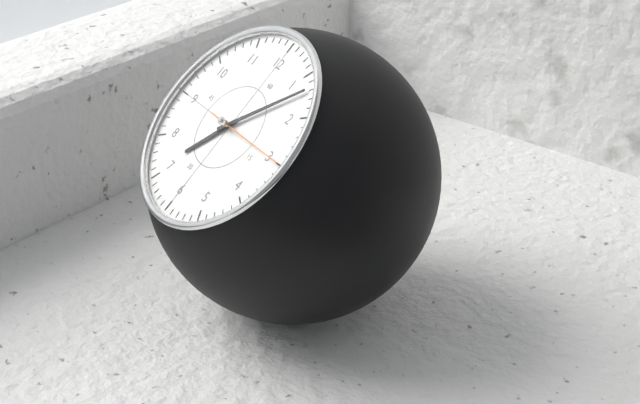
7:07
